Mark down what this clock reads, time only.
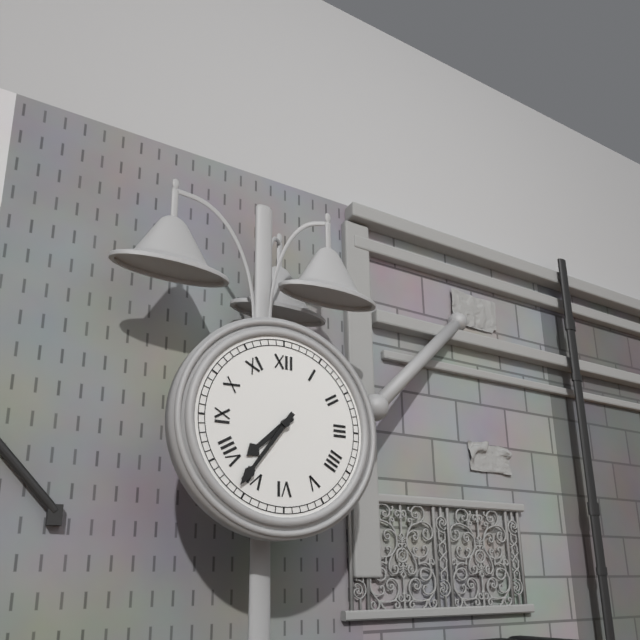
7:36
